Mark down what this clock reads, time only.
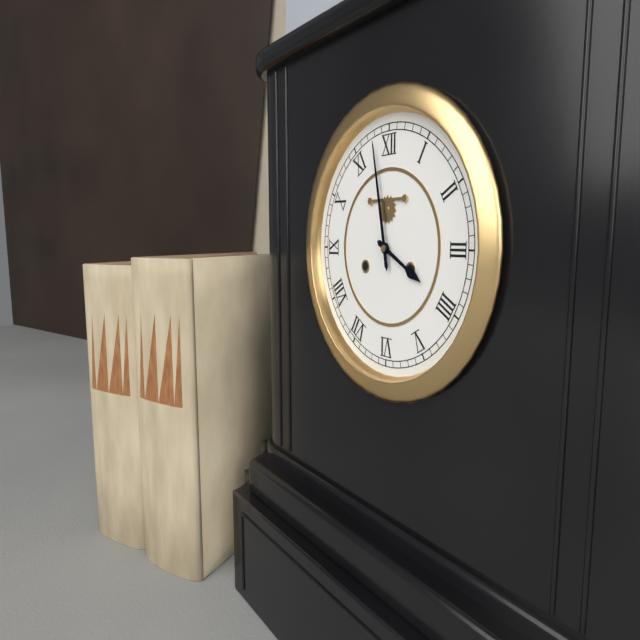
3:58
